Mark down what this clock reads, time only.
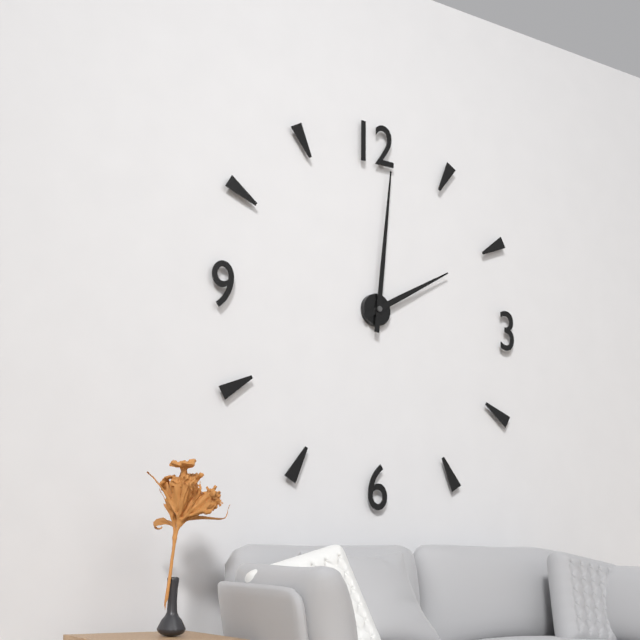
2:01
